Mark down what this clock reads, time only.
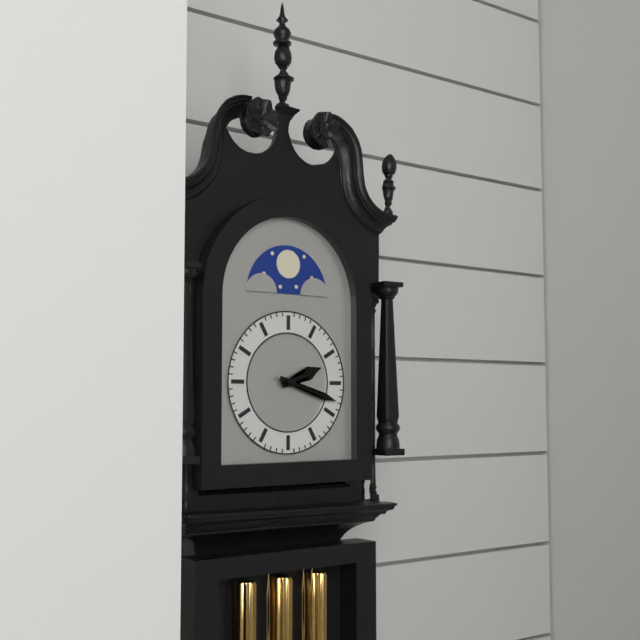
2:18
